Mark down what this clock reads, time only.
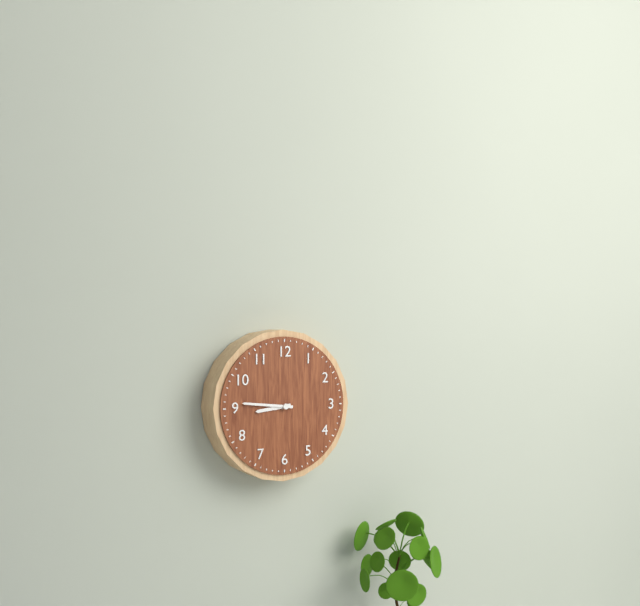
8:46
